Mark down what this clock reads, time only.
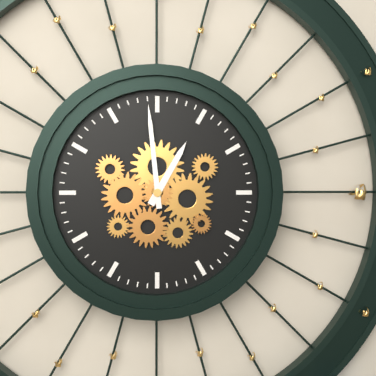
12:59
